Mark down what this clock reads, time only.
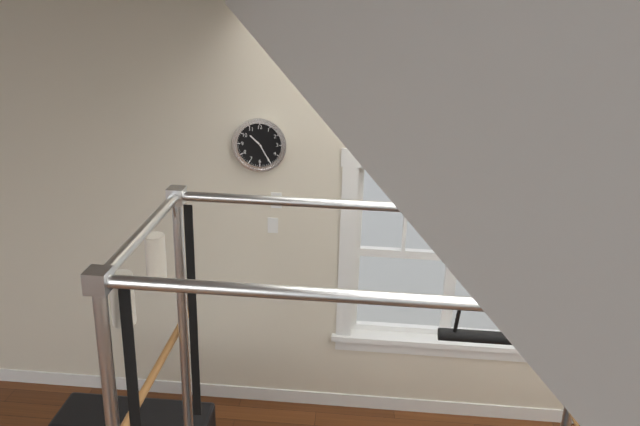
10:25
